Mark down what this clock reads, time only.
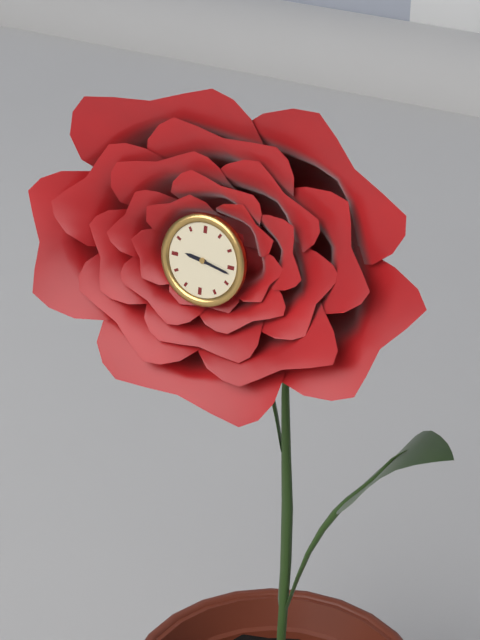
9:17
